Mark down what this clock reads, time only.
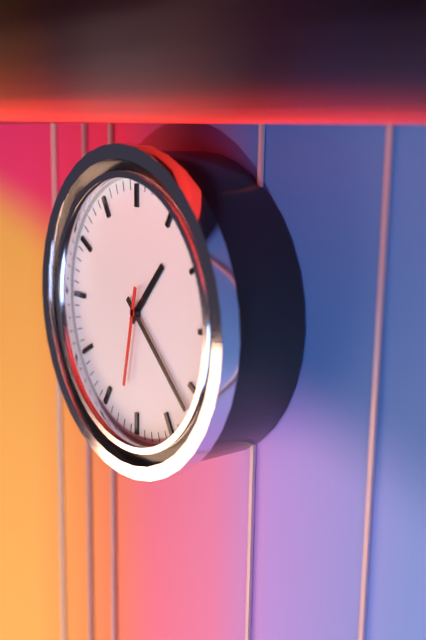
1:22:32
